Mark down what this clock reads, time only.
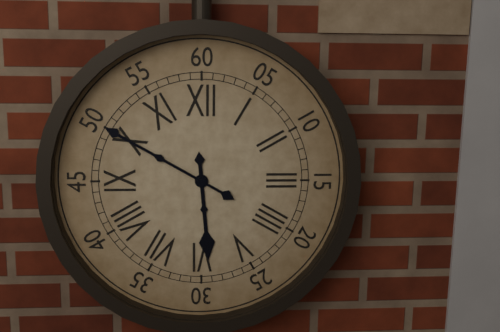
5:50
